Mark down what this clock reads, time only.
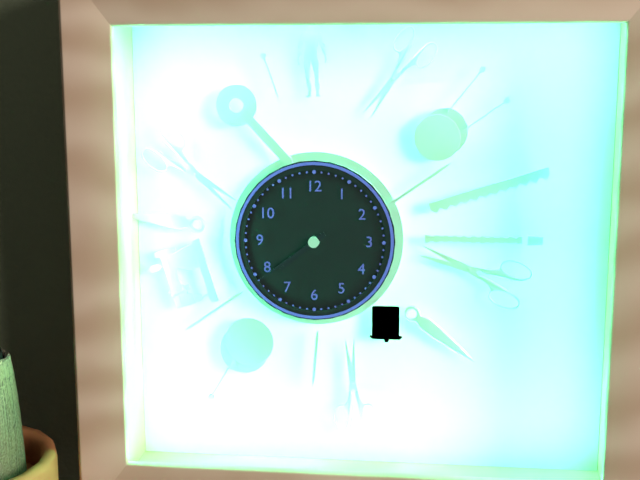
7:39
